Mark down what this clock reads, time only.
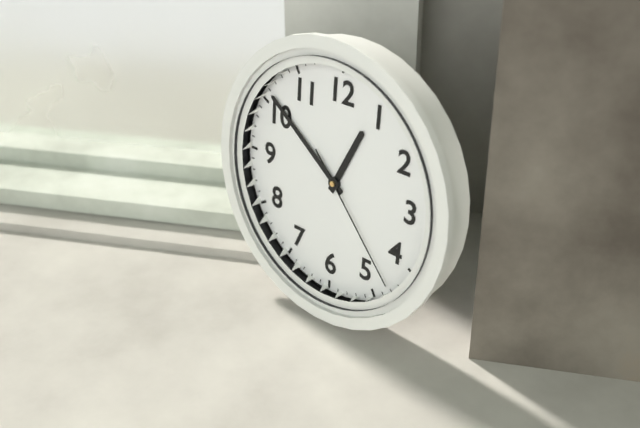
12:51:23
